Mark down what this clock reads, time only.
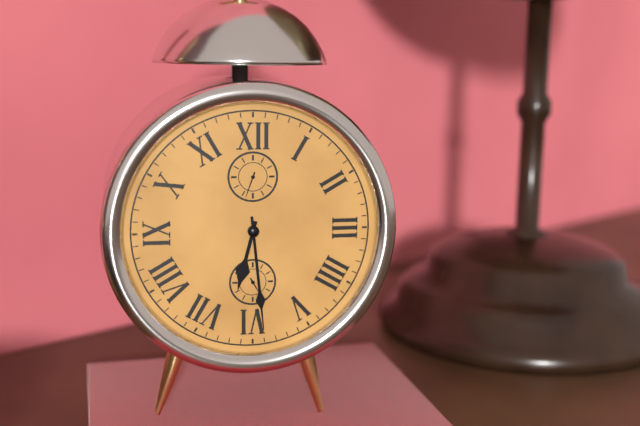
6:29
